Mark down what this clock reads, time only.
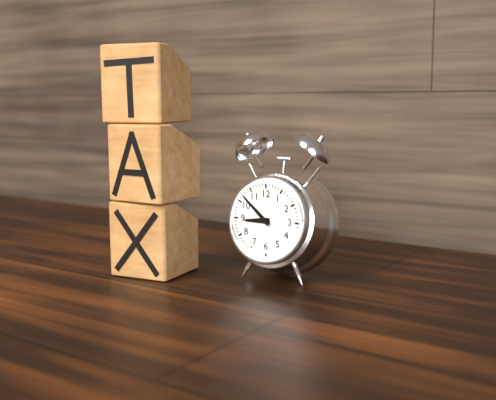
8:52
